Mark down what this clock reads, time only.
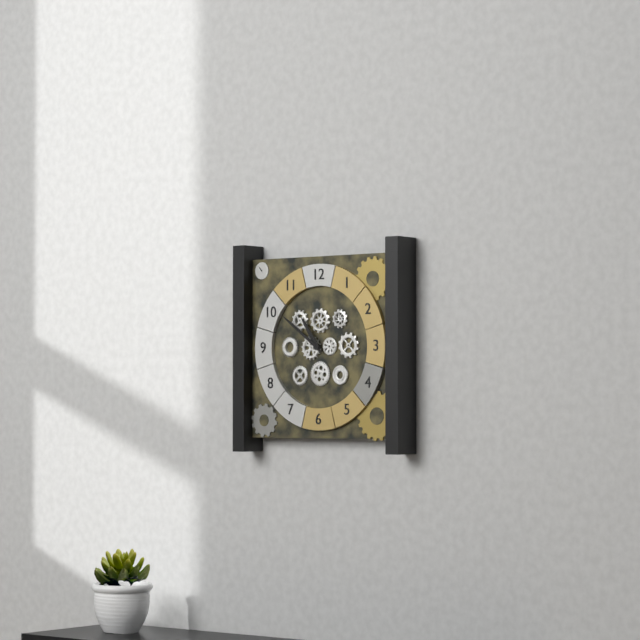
10:51
